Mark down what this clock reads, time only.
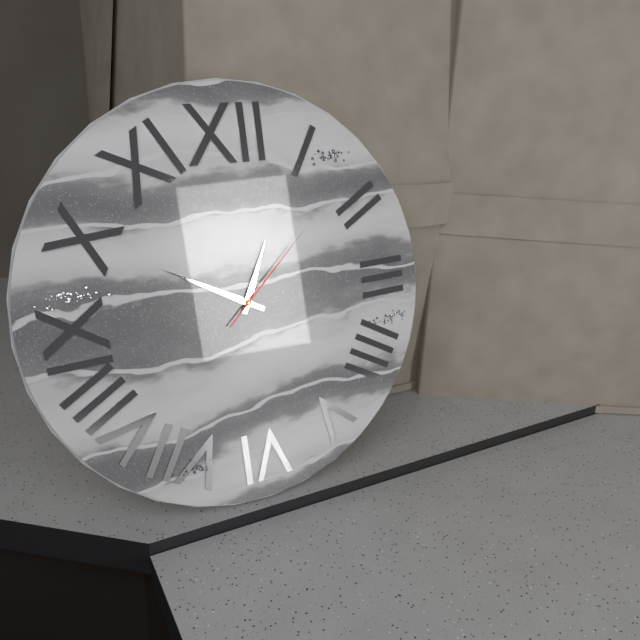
12:50:08
